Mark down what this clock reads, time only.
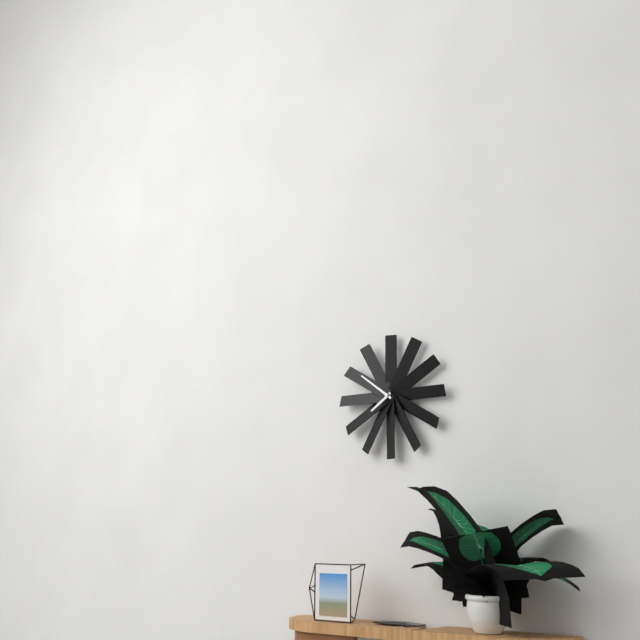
7:51
